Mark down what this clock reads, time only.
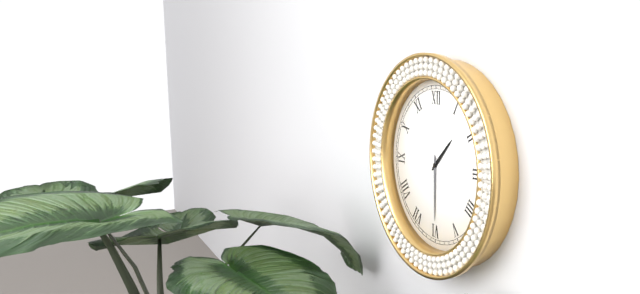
1:30
